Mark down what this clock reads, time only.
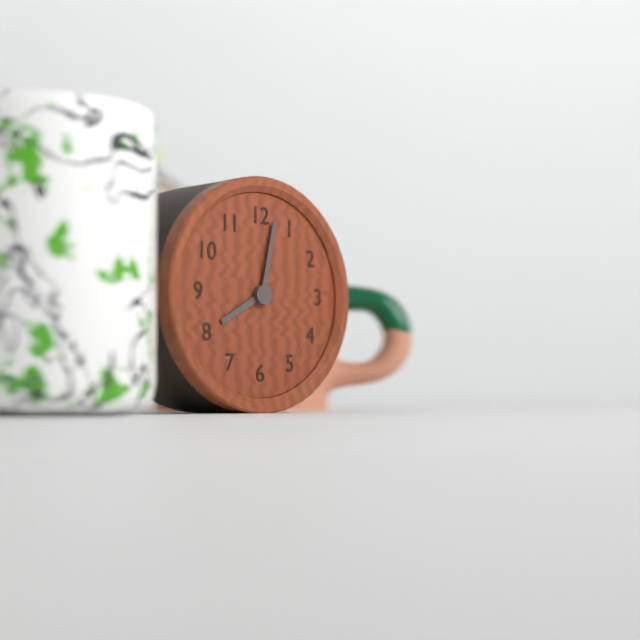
8:02
